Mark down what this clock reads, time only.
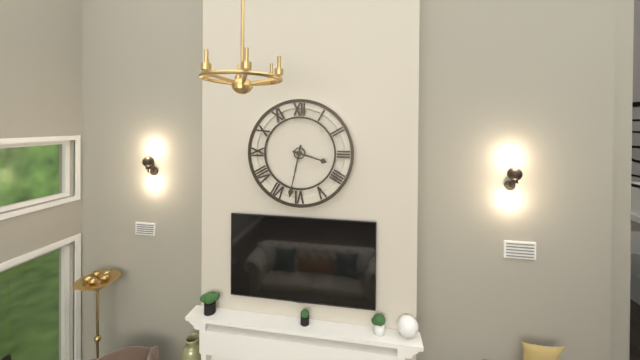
3:32
